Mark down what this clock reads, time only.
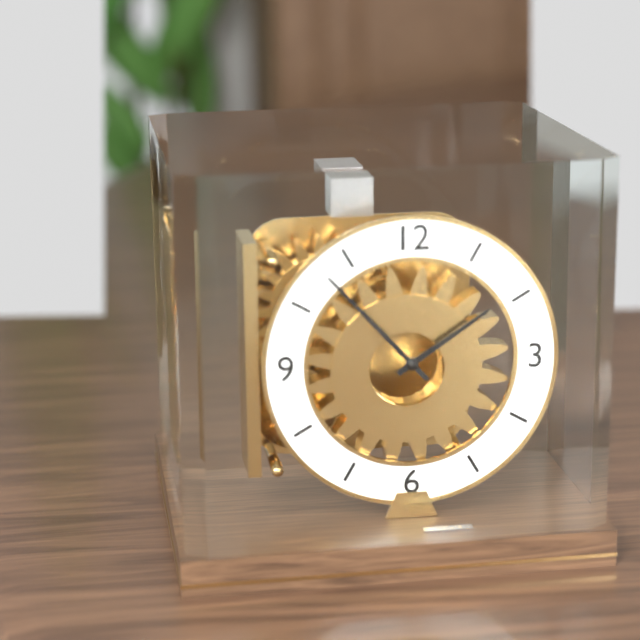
1:53
